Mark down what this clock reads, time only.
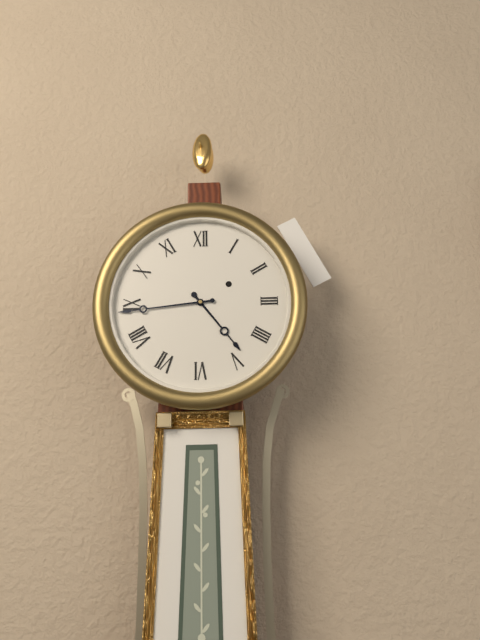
4:44
